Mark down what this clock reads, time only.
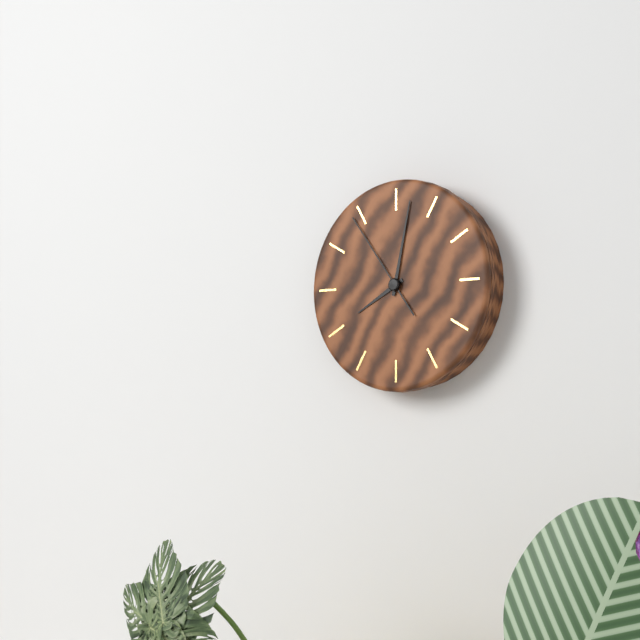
8:02:54
